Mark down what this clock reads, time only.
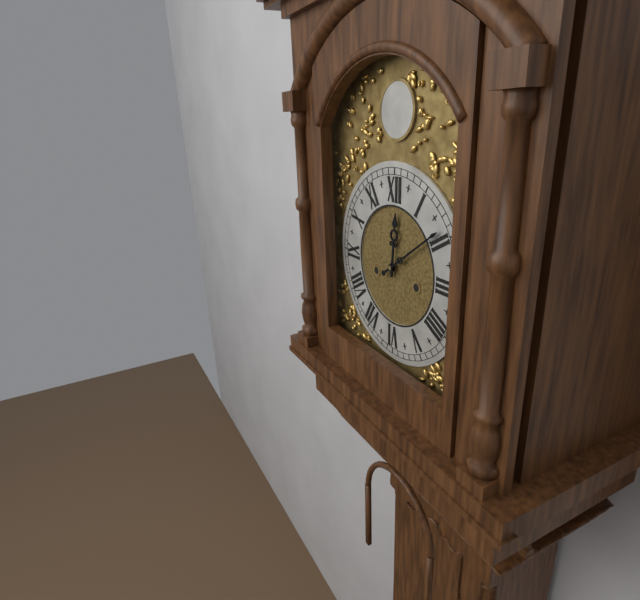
12:09
